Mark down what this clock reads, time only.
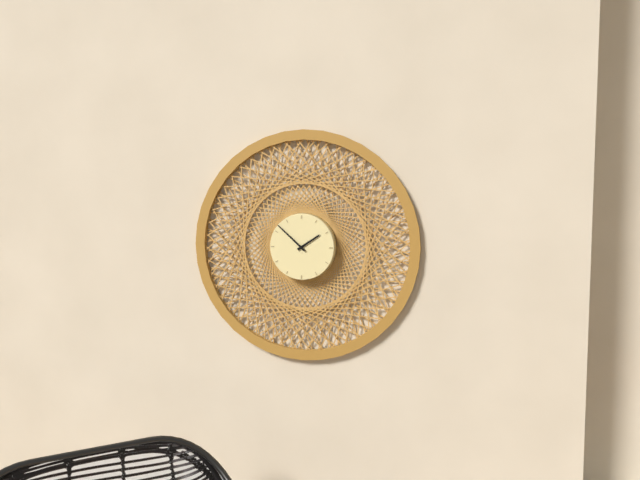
1:52
